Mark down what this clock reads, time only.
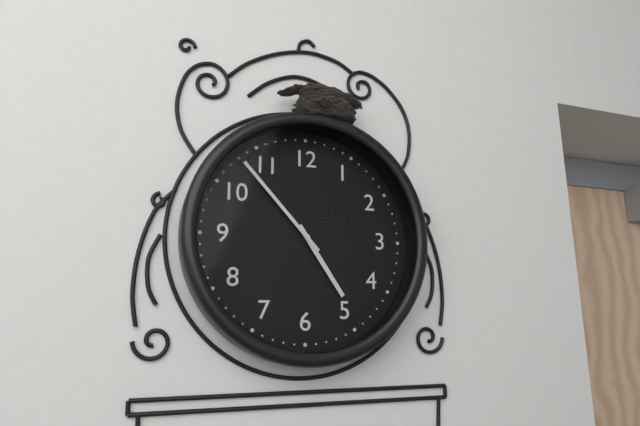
4:53
